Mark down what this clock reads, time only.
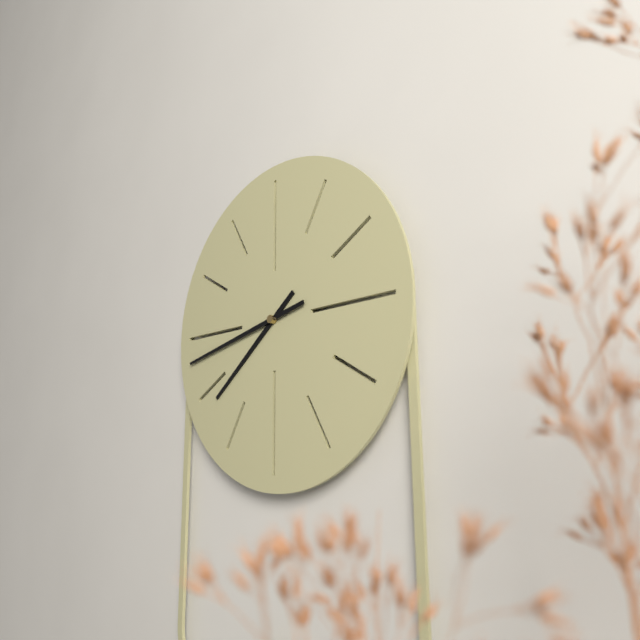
7:43
